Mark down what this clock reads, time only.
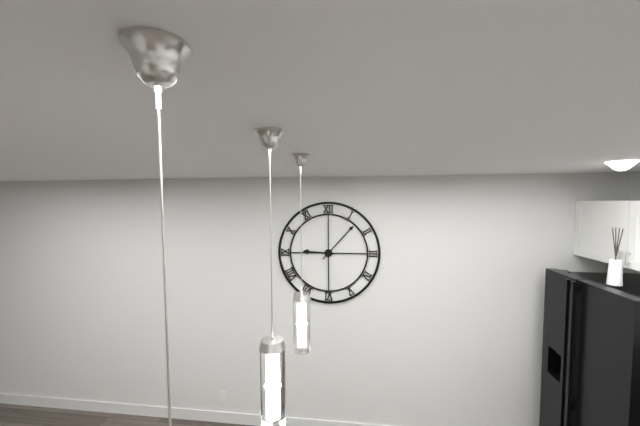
9:07
